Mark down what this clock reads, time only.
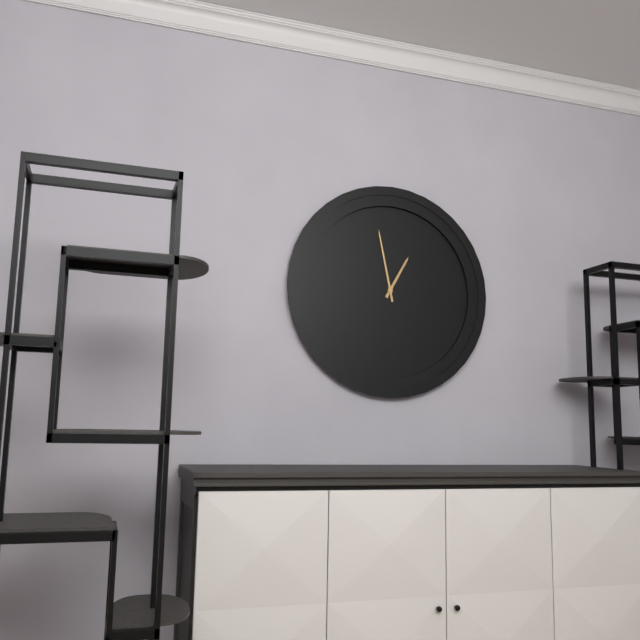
12:58
